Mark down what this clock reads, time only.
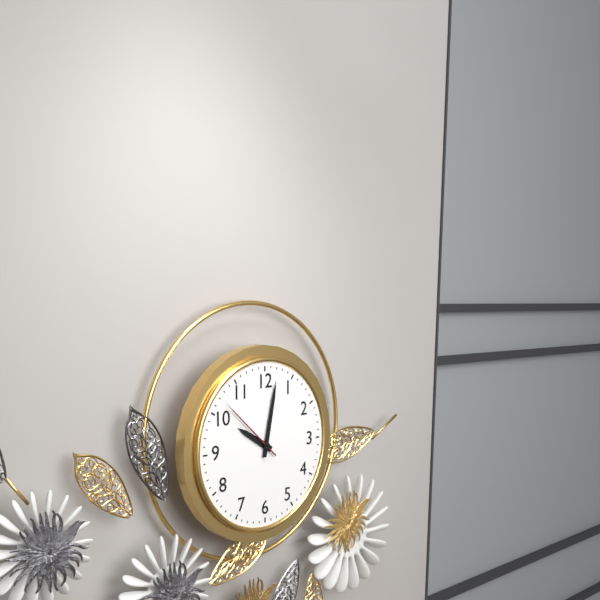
10:02:52
